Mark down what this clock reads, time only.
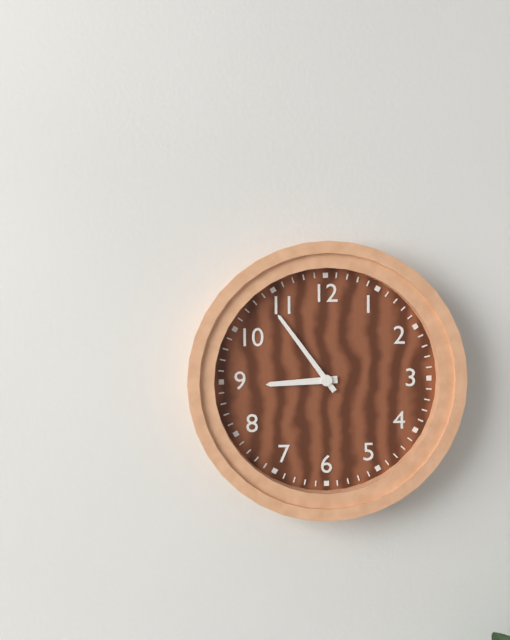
8:54
